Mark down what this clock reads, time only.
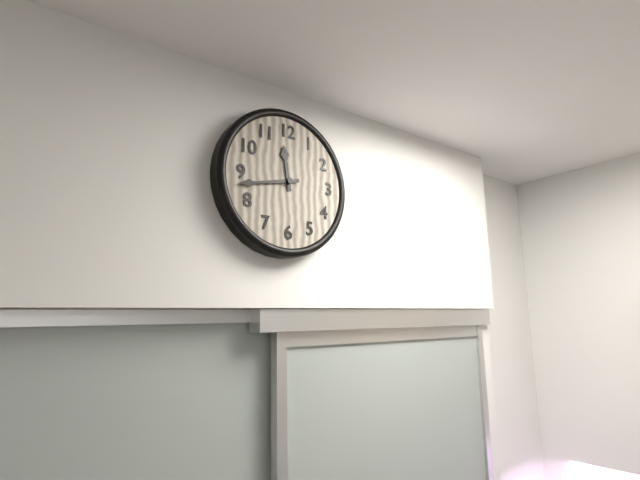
11:43
